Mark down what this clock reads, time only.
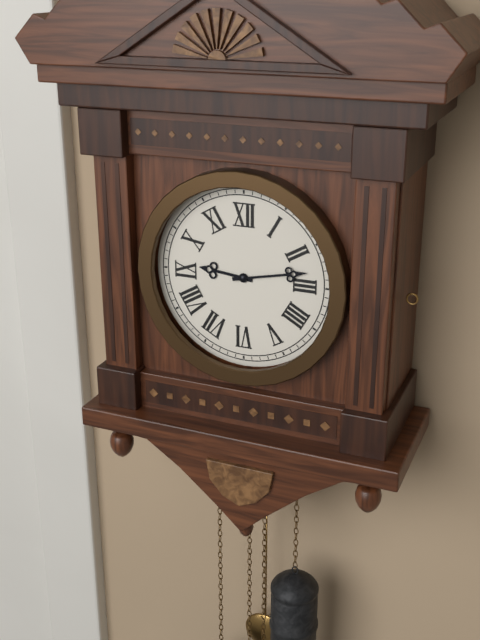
9:13
